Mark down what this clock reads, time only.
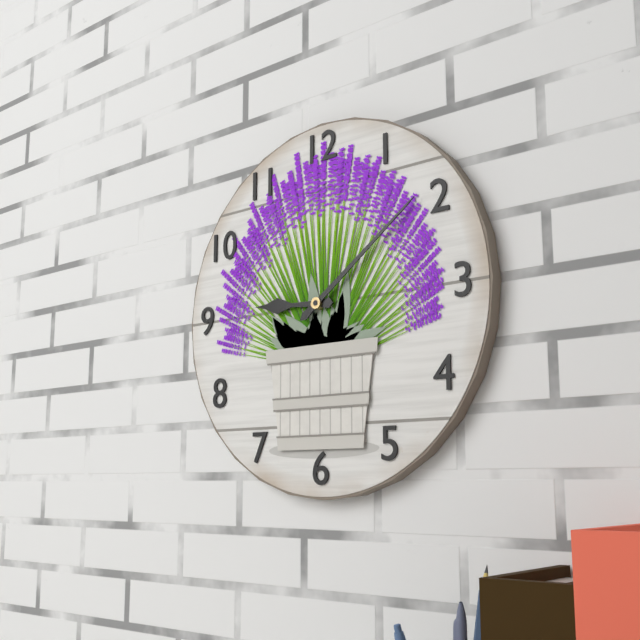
9:09
